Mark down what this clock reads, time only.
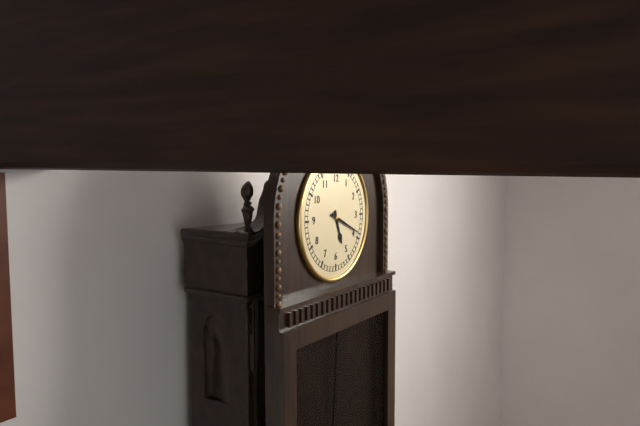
5:19
